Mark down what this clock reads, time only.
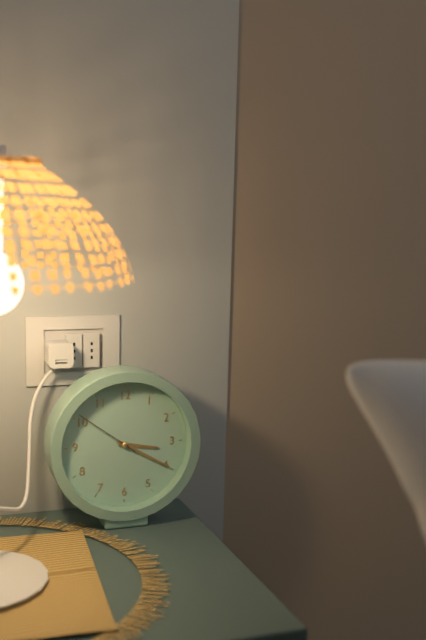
3:20:51
